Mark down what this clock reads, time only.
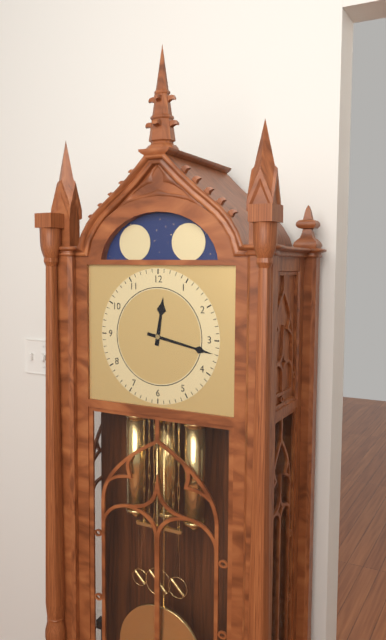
12:17
